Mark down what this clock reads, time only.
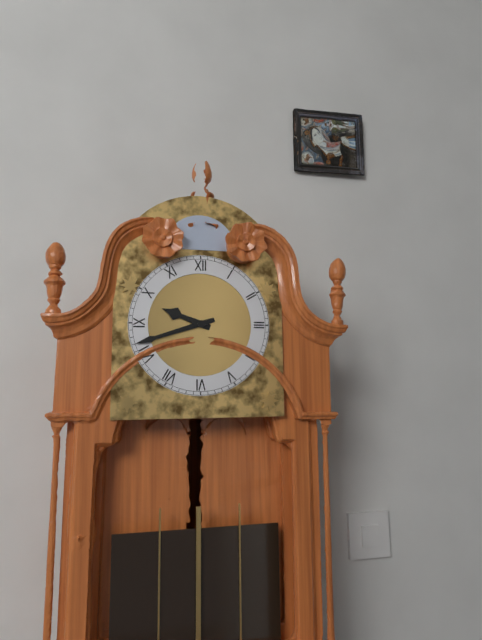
9:42
